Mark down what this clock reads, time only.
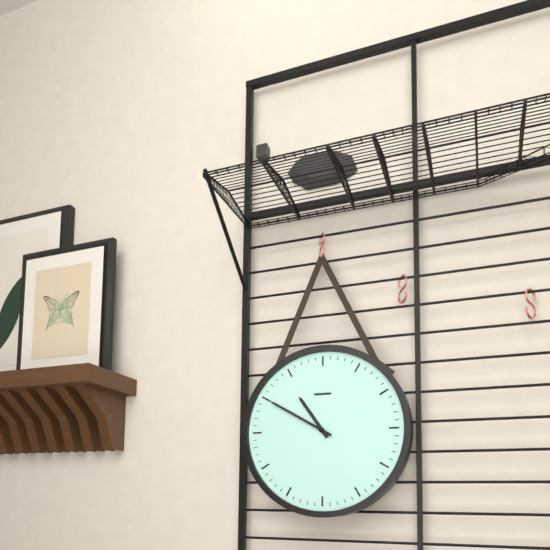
10:50
